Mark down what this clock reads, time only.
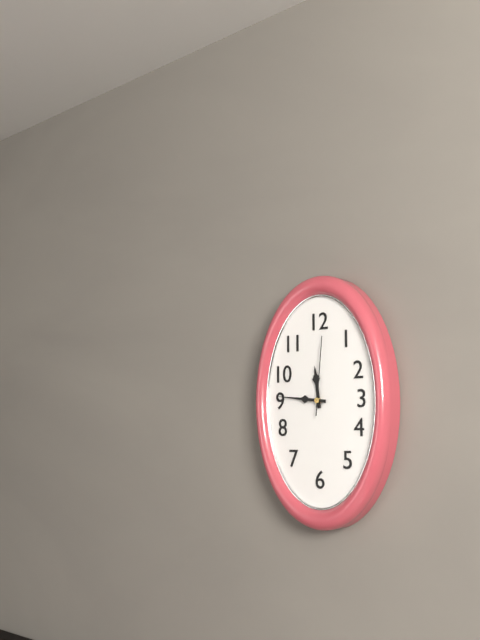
11:46:01
